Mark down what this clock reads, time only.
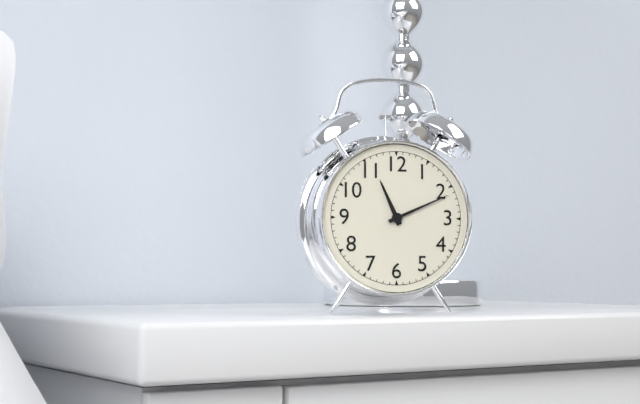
11:11
